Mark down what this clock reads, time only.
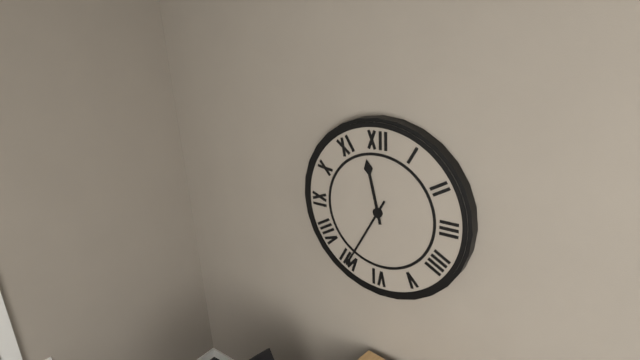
11:35
